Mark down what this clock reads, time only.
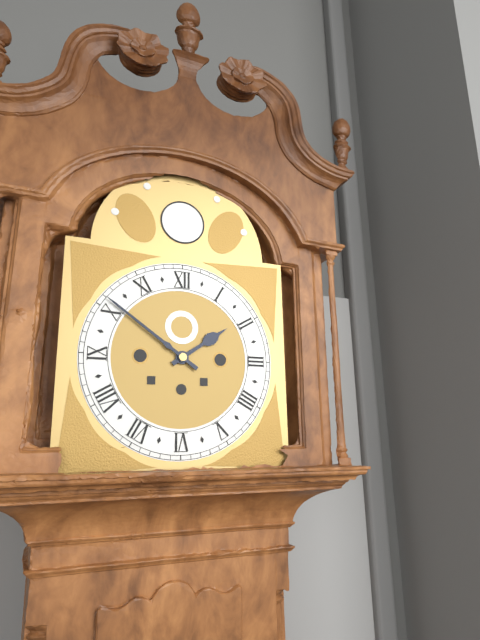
1:51
